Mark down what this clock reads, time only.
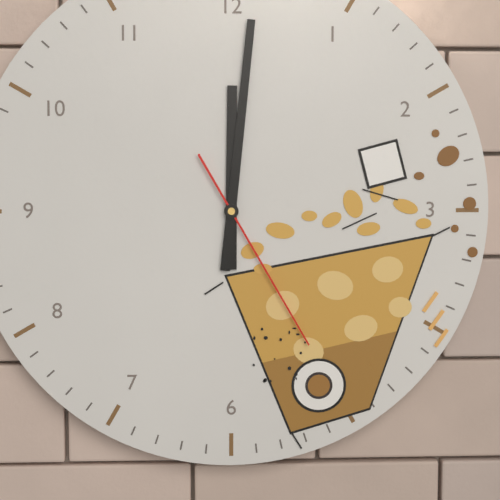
12:01:25
